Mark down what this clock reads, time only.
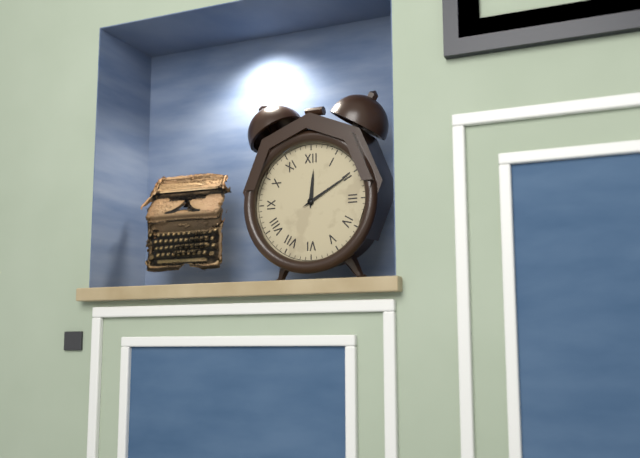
12:10
